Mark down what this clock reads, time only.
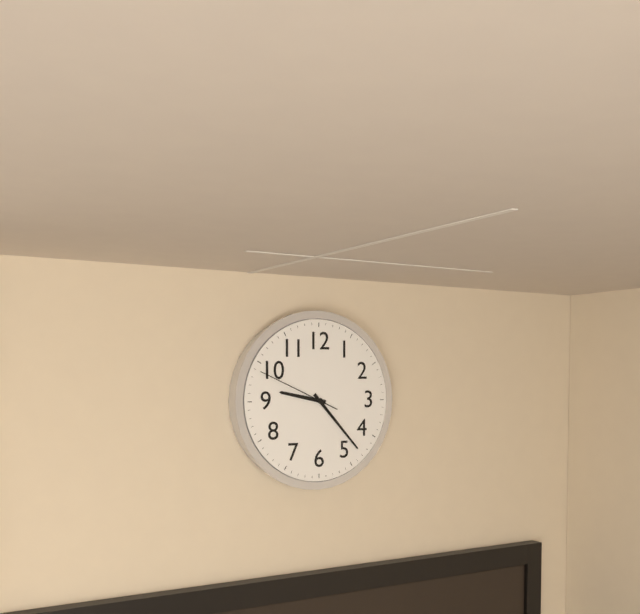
9:23:49
